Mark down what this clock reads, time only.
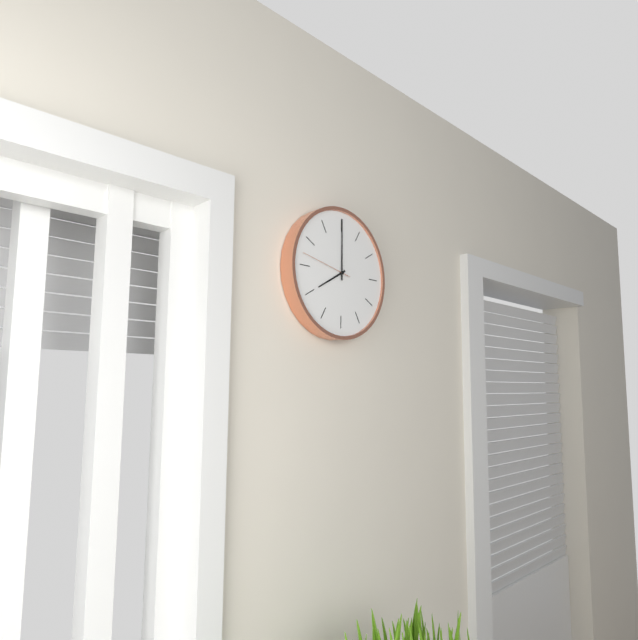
8:00:47
